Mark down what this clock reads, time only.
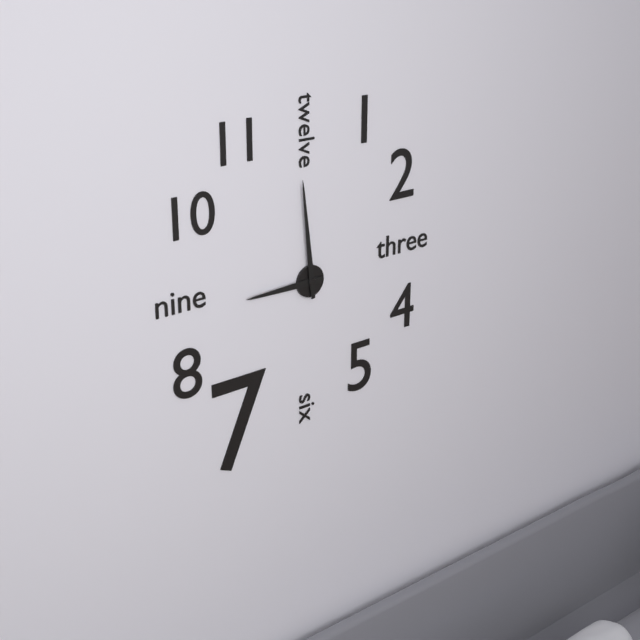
8:59
